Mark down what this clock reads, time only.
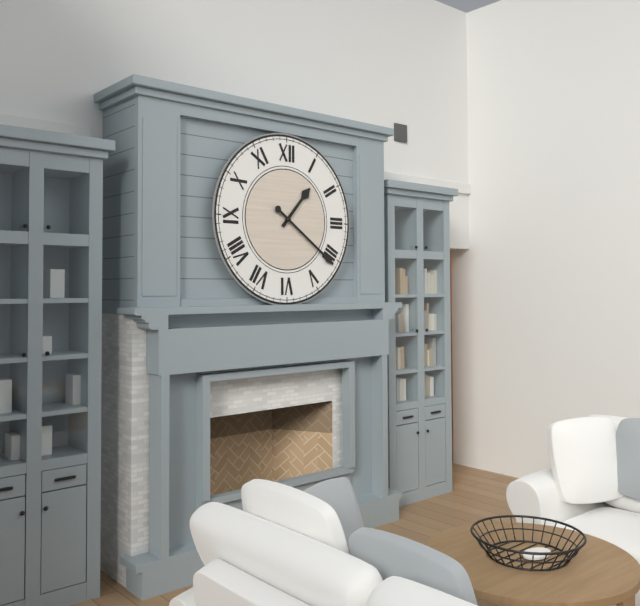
1:21
